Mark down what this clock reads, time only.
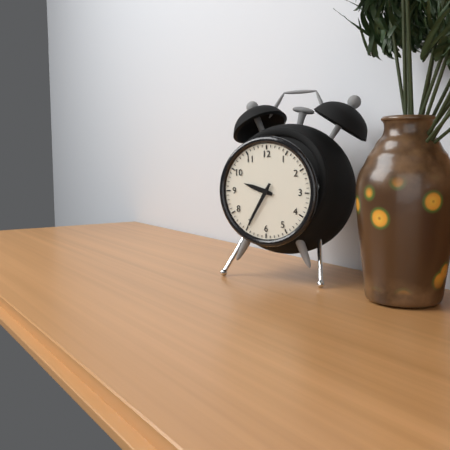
9:35
